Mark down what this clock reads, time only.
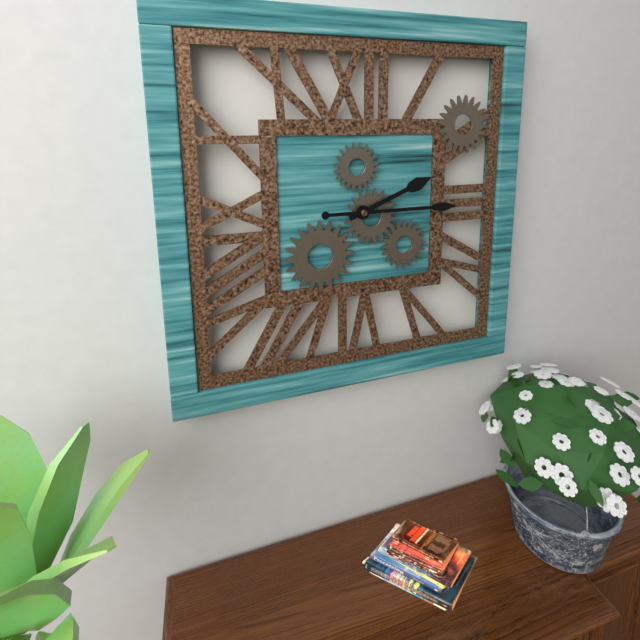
2:15
